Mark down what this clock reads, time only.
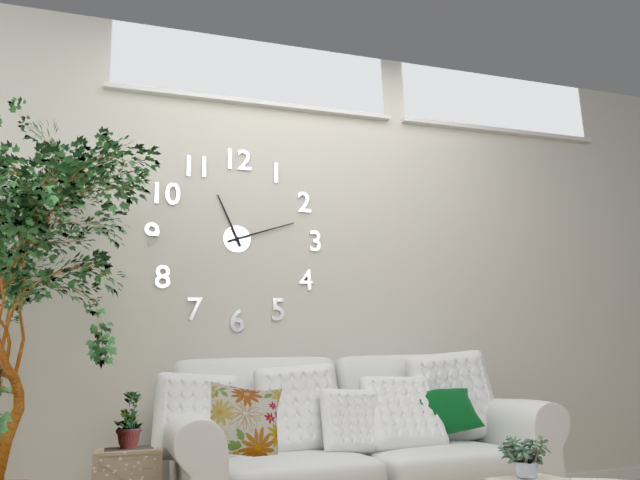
11:12
